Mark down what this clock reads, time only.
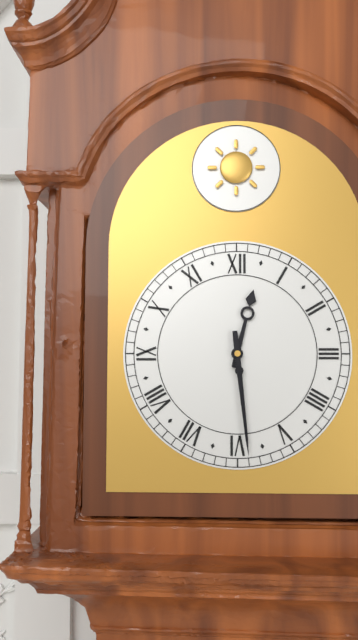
12:29
